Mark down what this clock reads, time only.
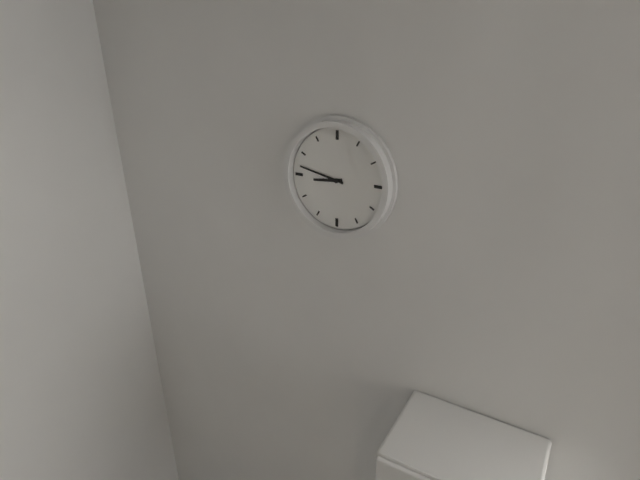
8:47
